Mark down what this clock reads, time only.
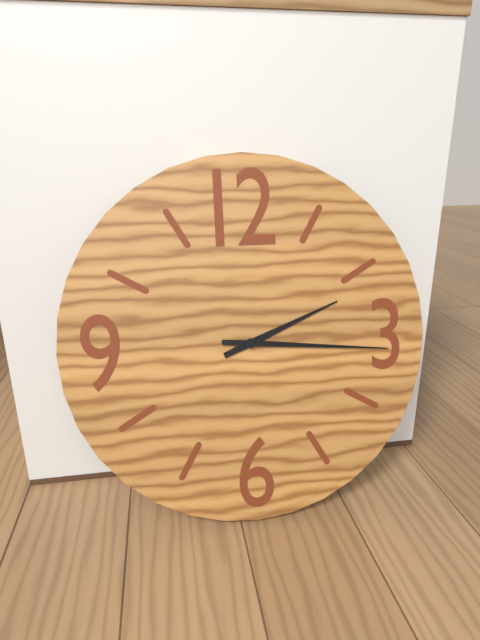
2:16
